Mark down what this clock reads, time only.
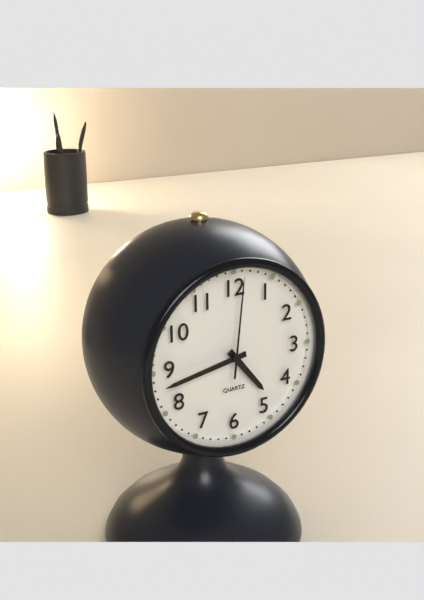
4:43:01
